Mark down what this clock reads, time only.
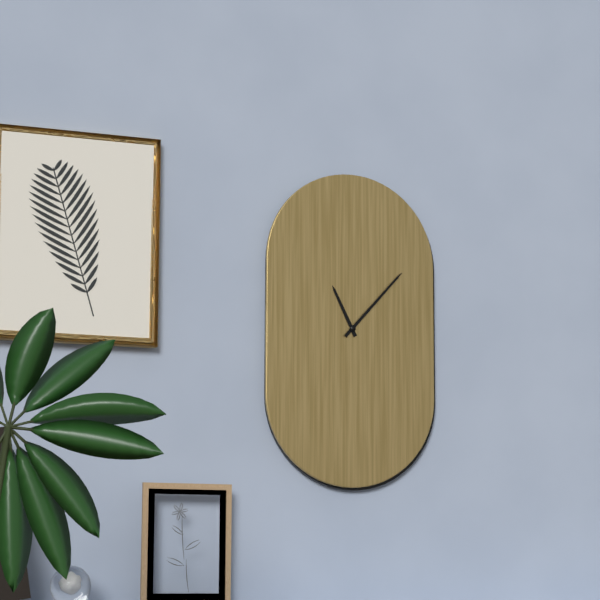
11:07
